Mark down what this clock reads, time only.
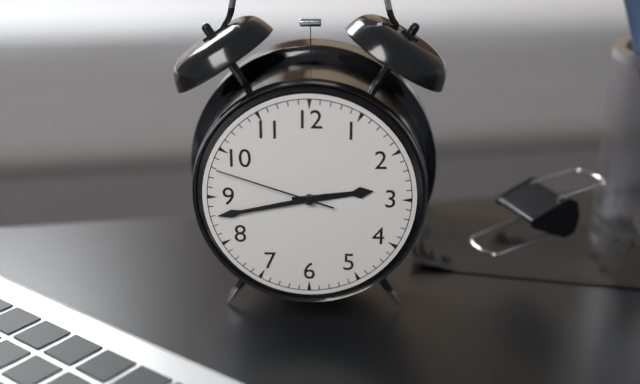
2:43:48
